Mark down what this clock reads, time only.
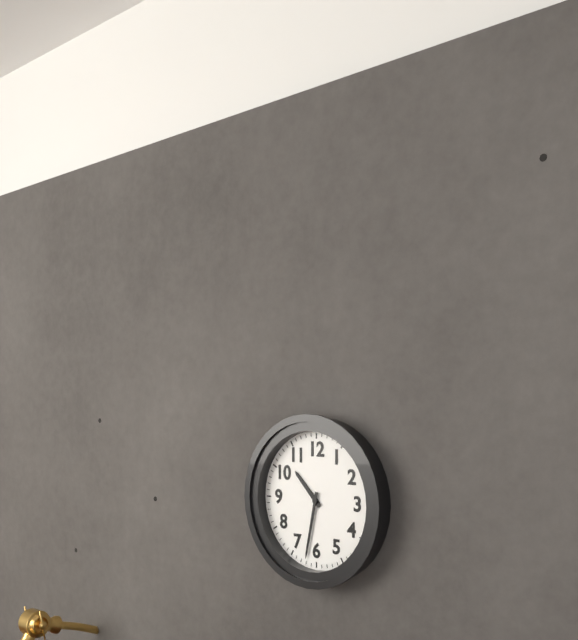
10:32
